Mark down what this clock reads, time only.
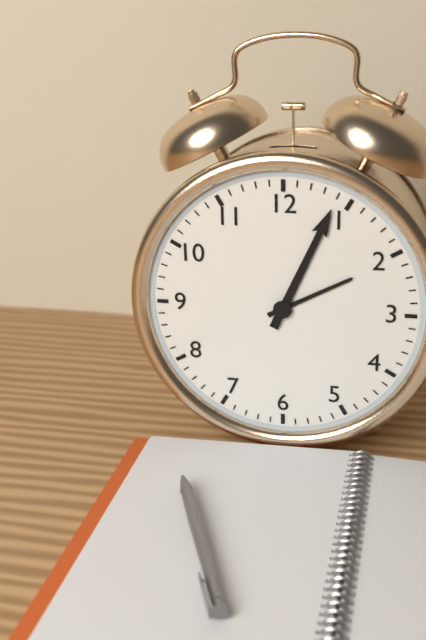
2:04
